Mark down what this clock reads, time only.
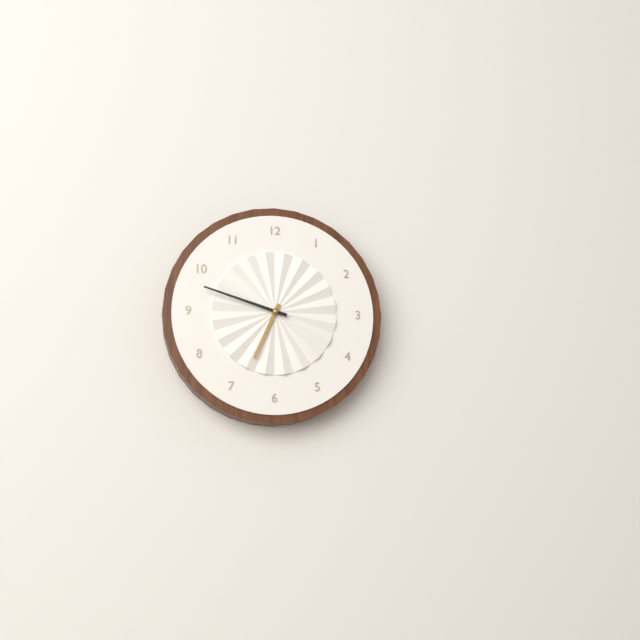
6:48
